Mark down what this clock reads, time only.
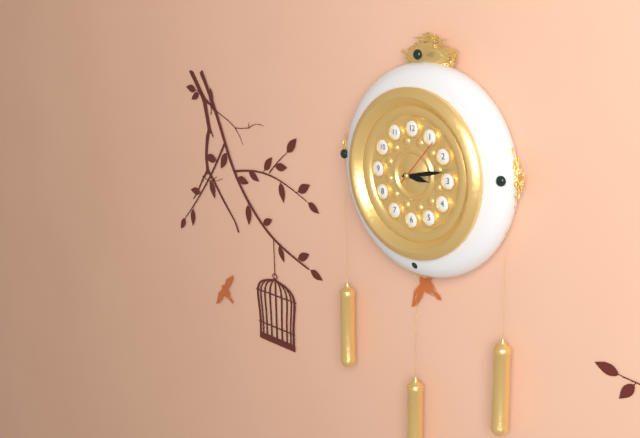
3:13:07
